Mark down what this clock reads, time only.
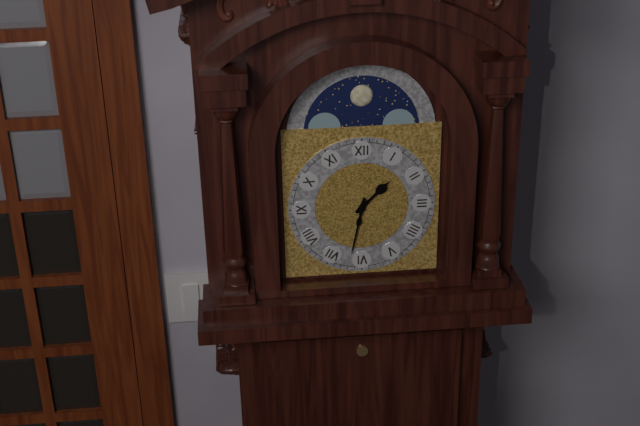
1:32
